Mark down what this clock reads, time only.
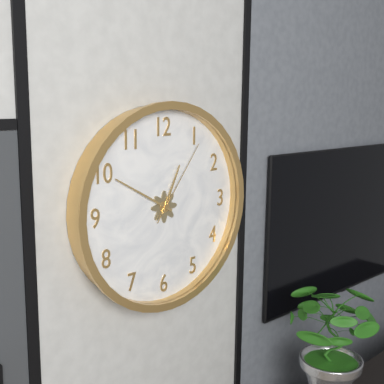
12:50:06
